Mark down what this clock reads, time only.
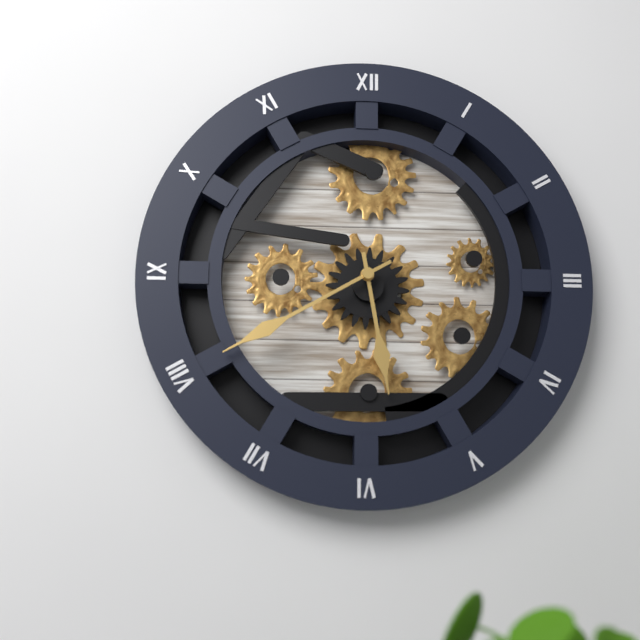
5:40
